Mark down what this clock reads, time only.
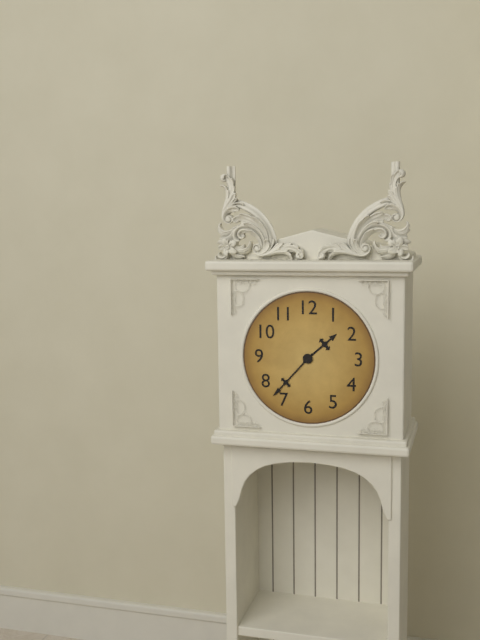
1:37
